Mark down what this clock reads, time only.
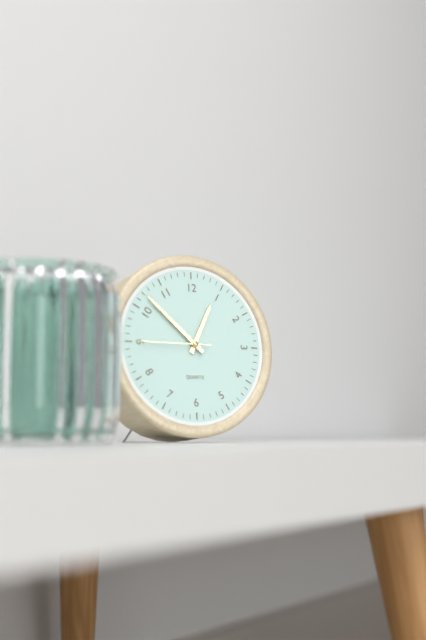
12:52:45
